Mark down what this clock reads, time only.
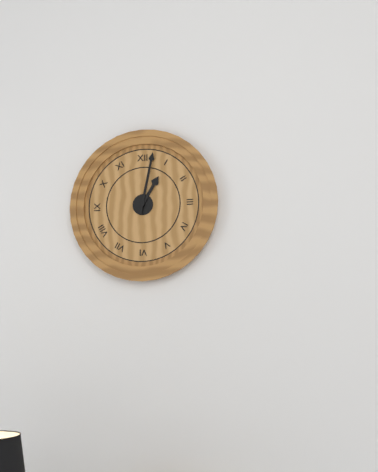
1:02
